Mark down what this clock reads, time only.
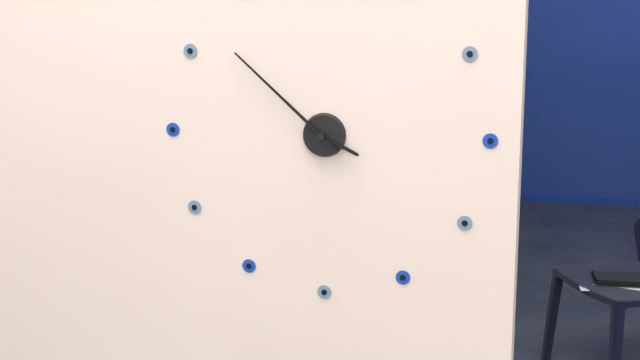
3:52
